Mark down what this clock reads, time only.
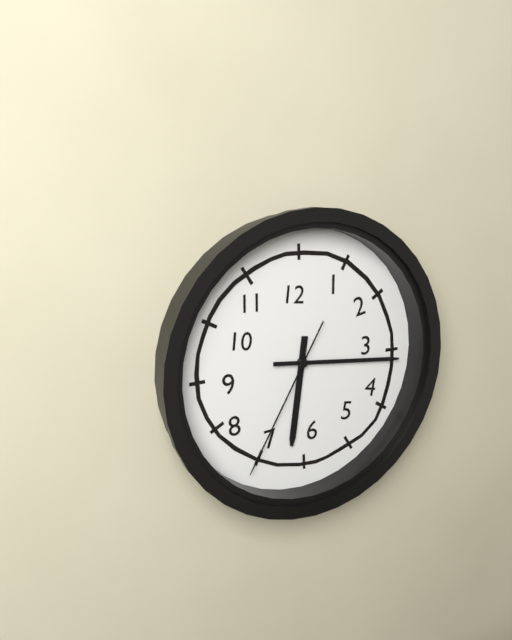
6:16:35
